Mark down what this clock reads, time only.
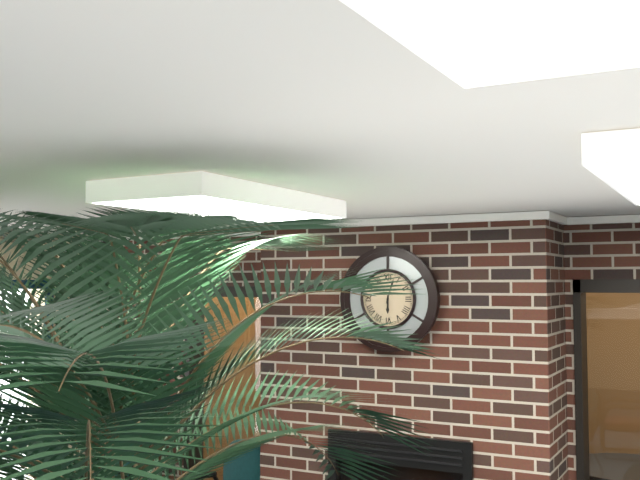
6:03
